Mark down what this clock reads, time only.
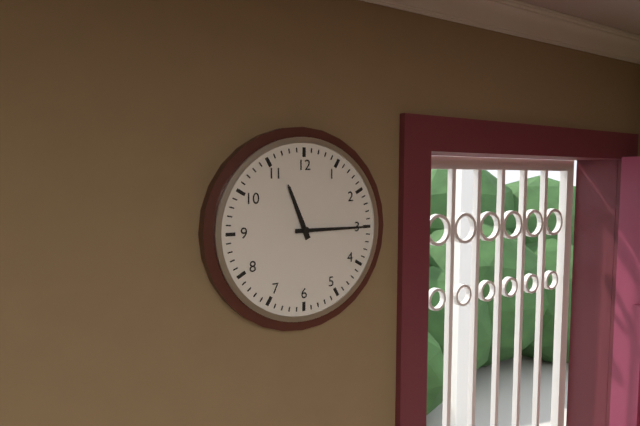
11:15
